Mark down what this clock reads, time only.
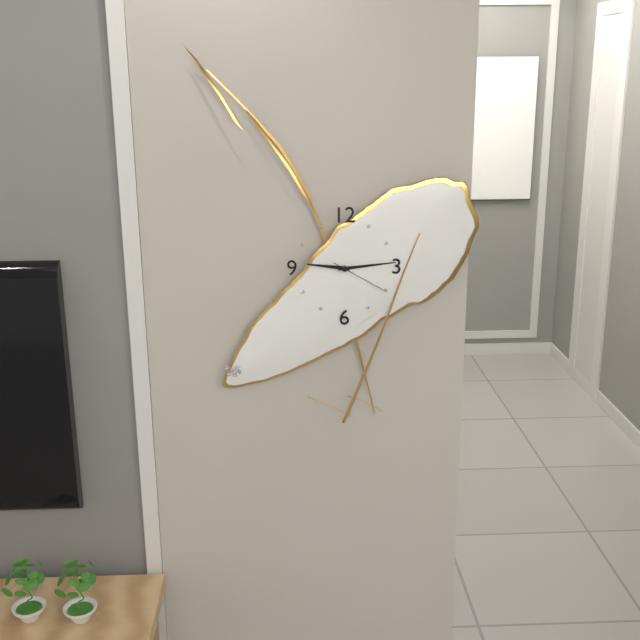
9:14:20
